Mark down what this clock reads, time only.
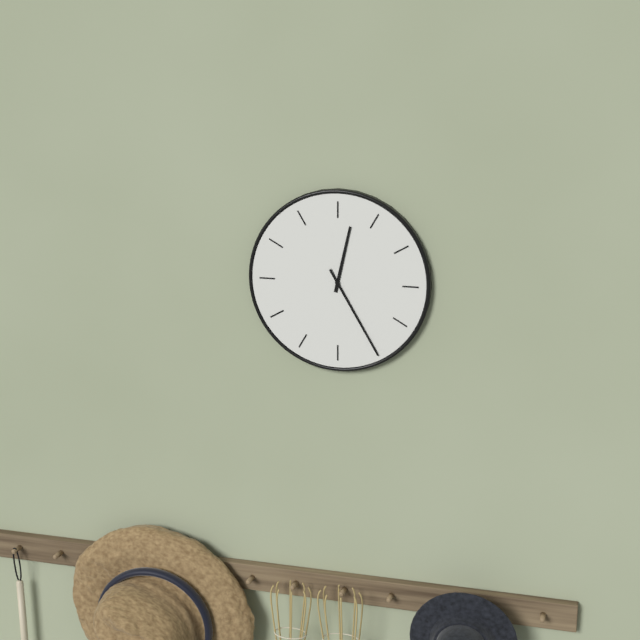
12:25
